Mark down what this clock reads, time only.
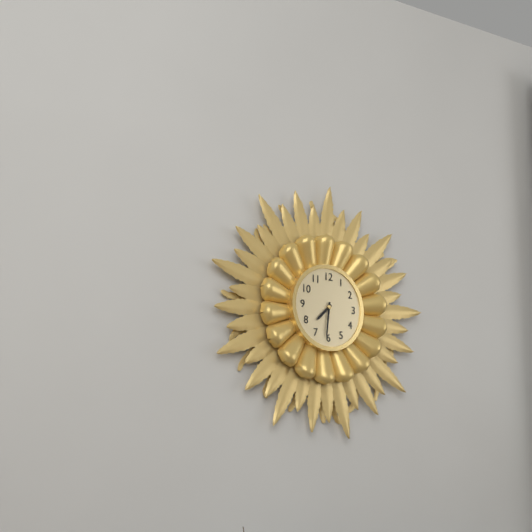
7:31
